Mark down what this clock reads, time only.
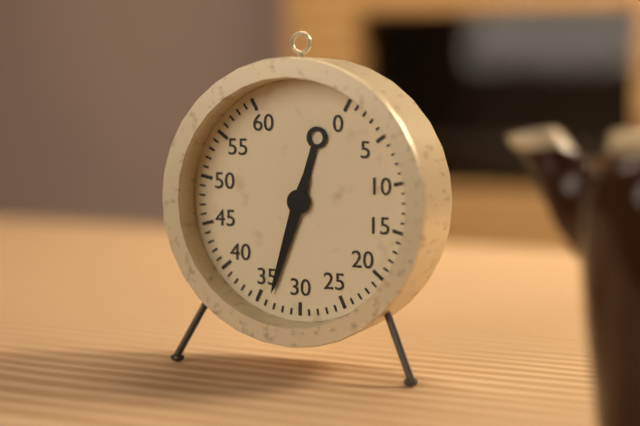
12:33
